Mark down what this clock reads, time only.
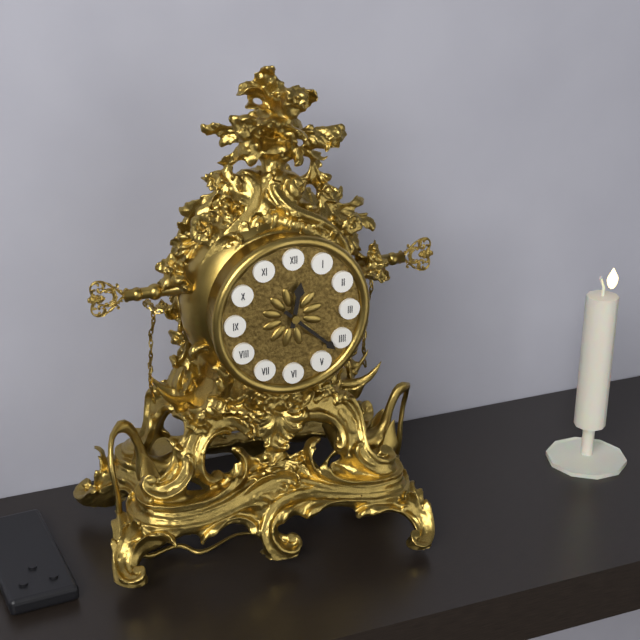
12:22
